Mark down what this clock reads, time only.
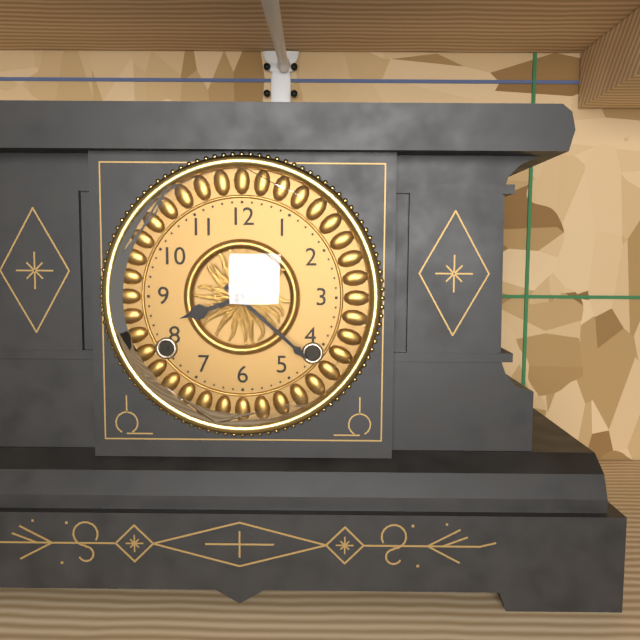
8:22
